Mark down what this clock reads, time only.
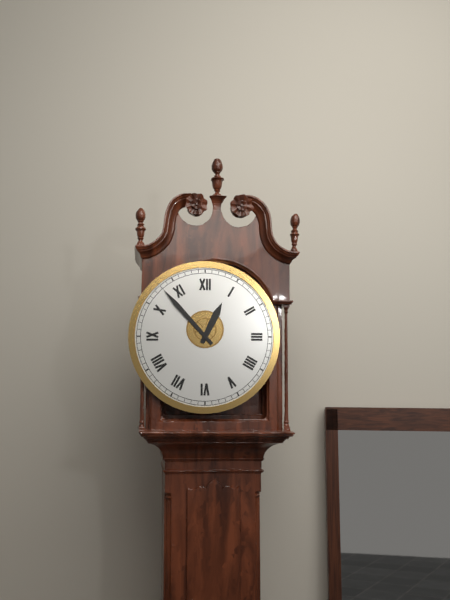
12:53
